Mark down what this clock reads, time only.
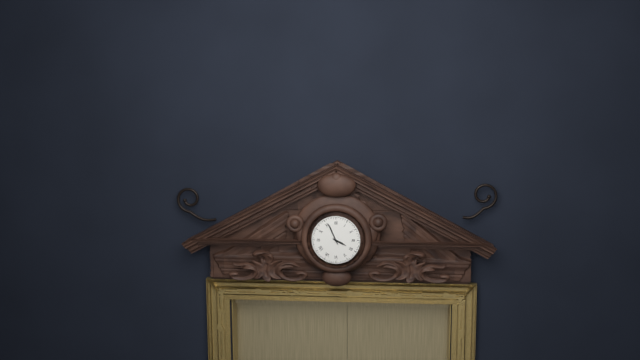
3:56
